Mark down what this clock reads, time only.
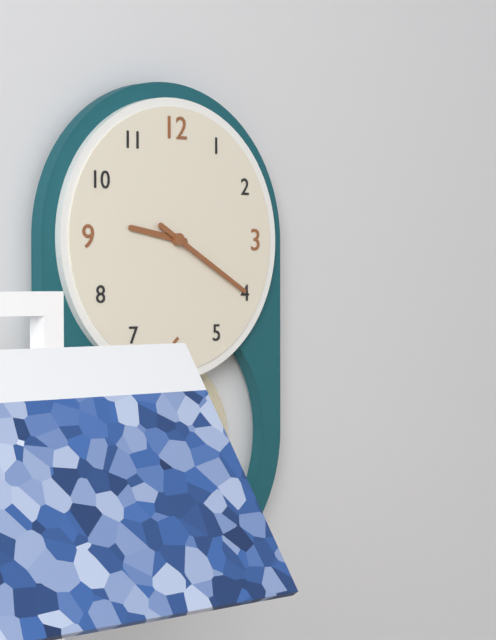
9:20
